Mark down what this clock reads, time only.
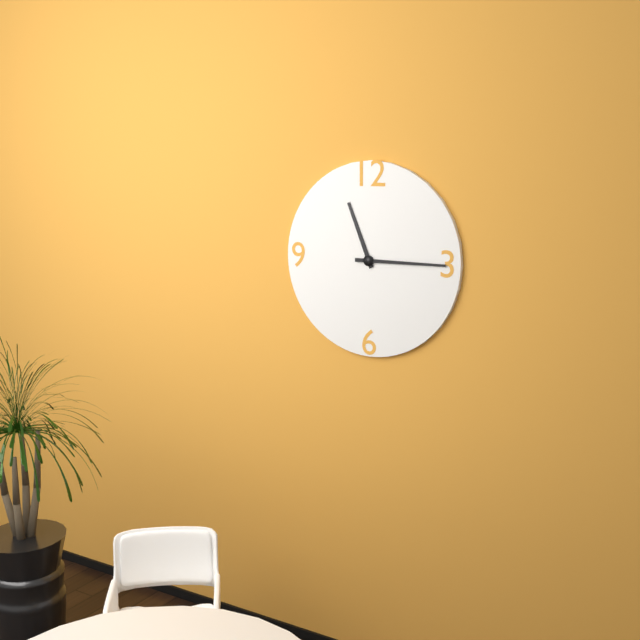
11:15
